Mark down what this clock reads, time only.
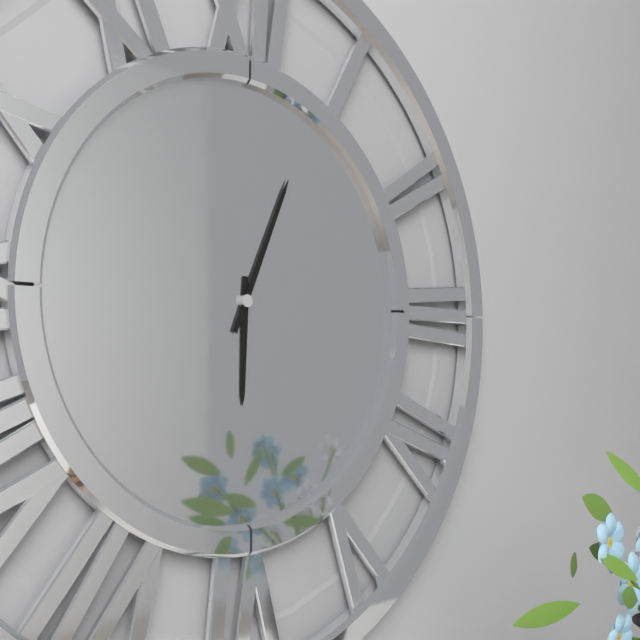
6:04
